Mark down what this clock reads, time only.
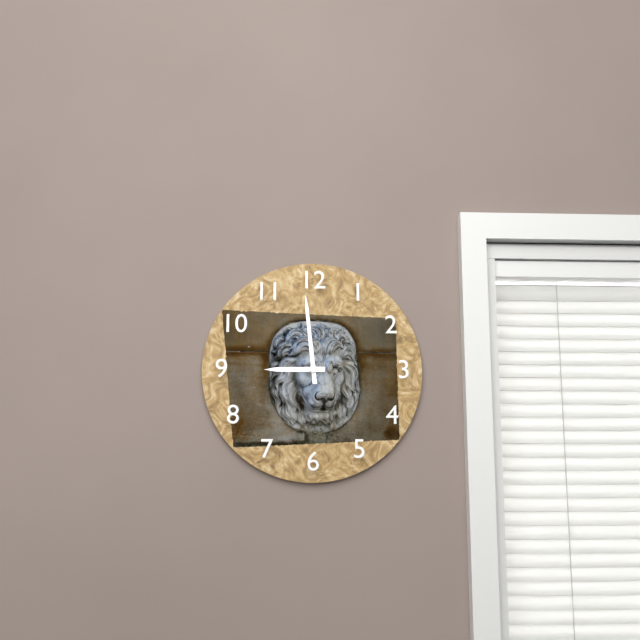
8:59
